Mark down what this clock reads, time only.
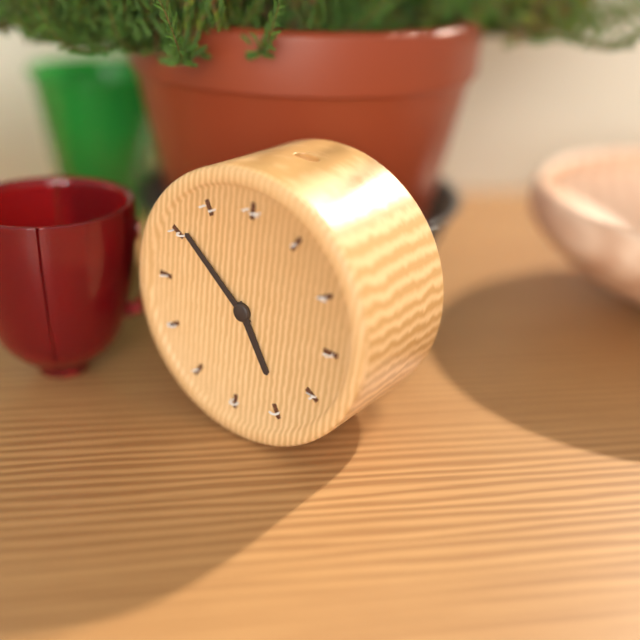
4:51
